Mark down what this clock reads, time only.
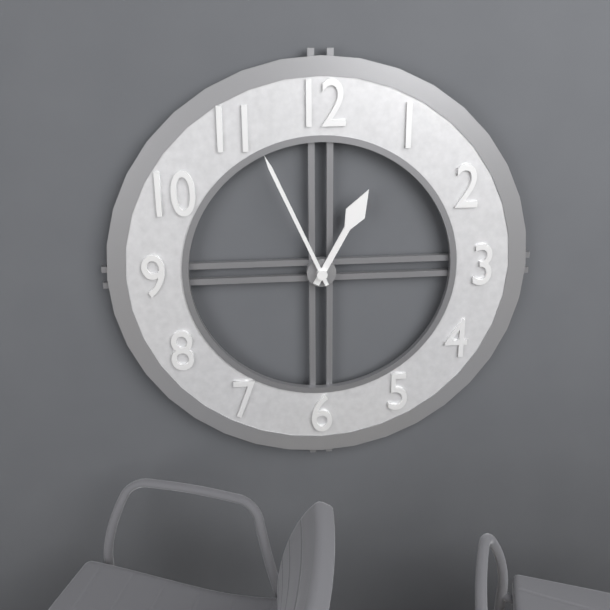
12:56
